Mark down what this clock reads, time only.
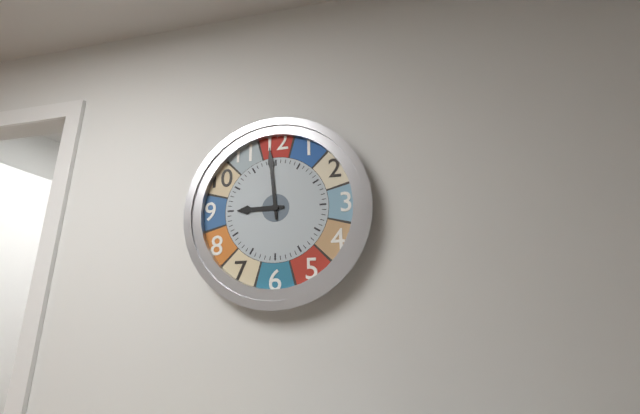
8:59
